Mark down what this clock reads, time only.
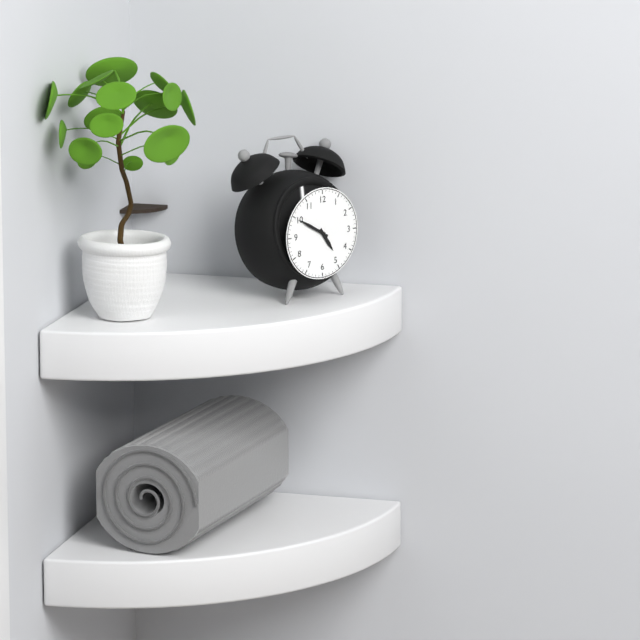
4:50
